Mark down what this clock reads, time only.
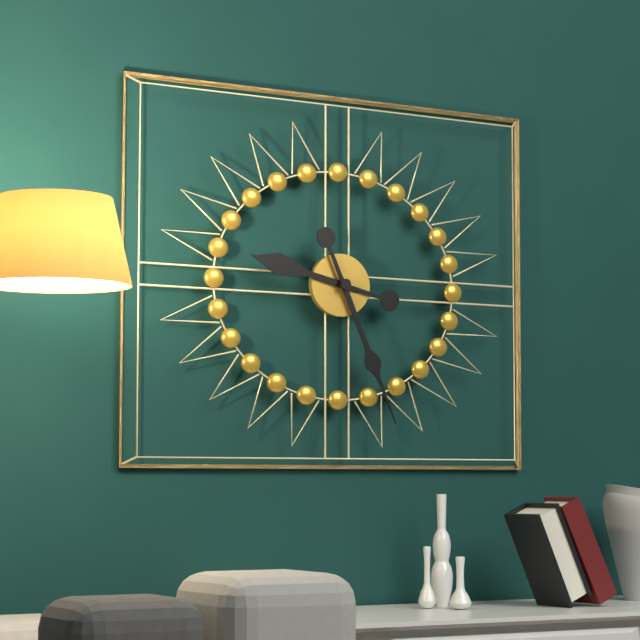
9:26
